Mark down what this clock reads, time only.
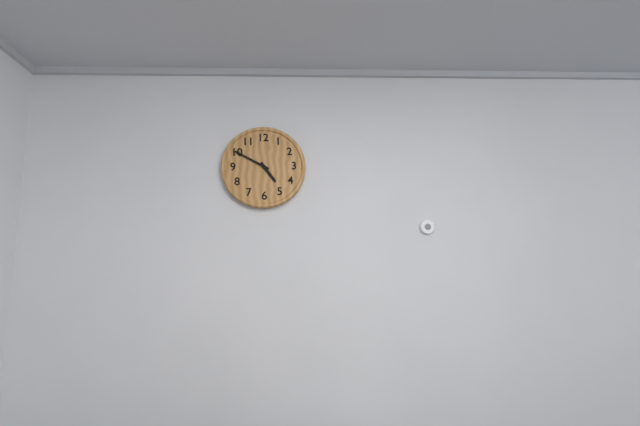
4:50
